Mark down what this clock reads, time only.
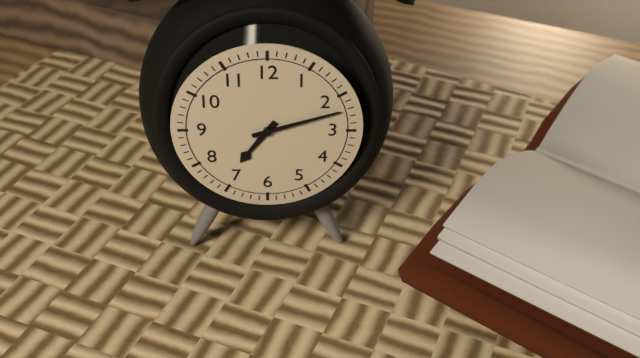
7:12
